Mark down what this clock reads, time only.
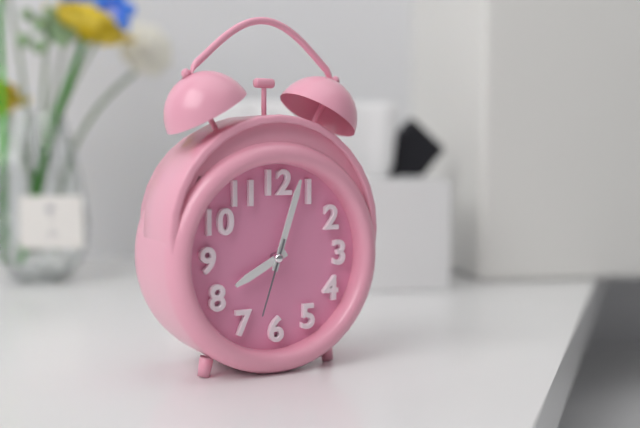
8:03:33
